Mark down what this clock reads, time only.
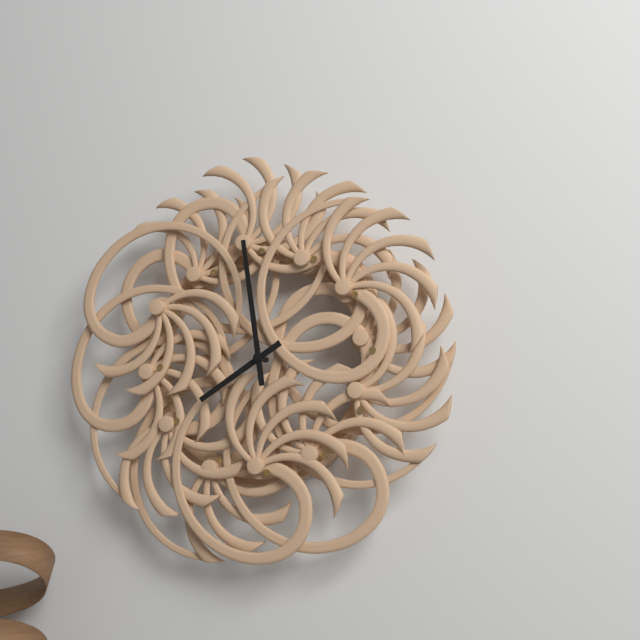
7:59
